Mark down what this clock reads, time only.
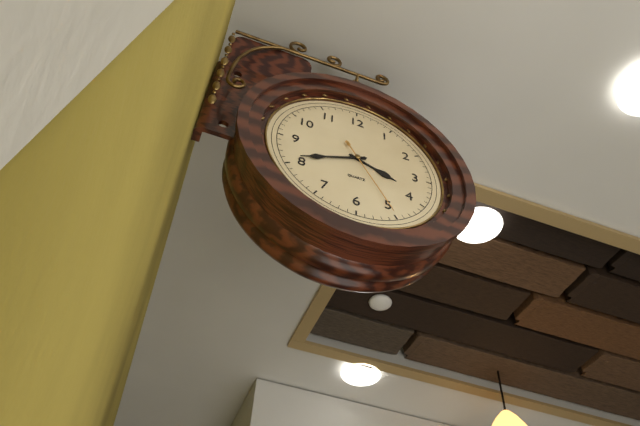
3:41:25
